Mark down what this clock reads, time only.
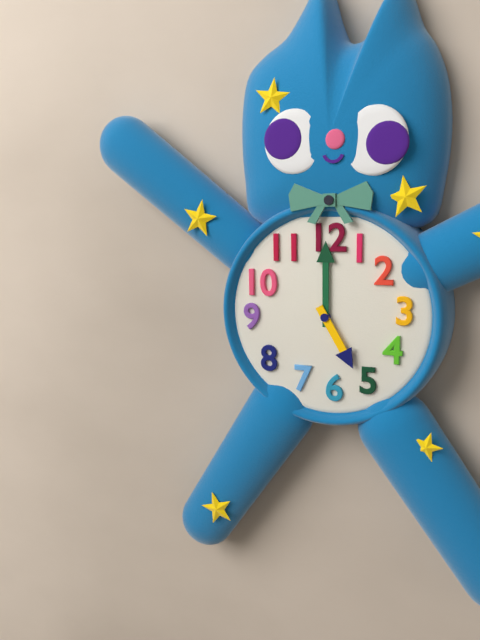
5:00
